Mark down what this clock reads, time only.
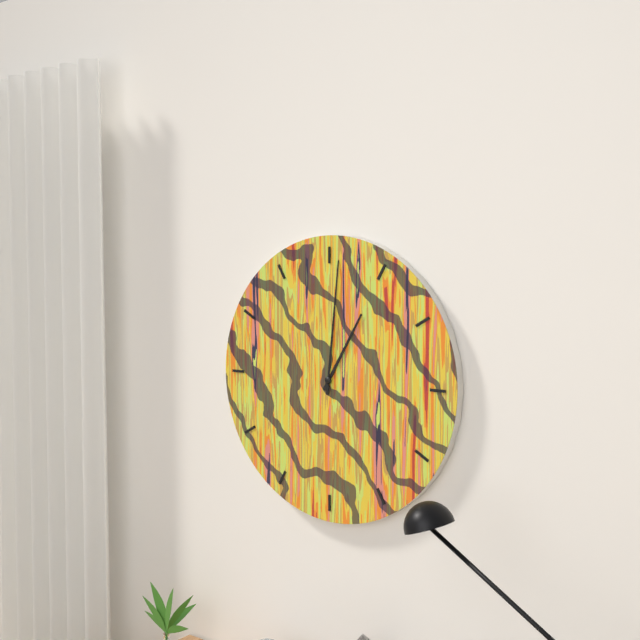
1:01
